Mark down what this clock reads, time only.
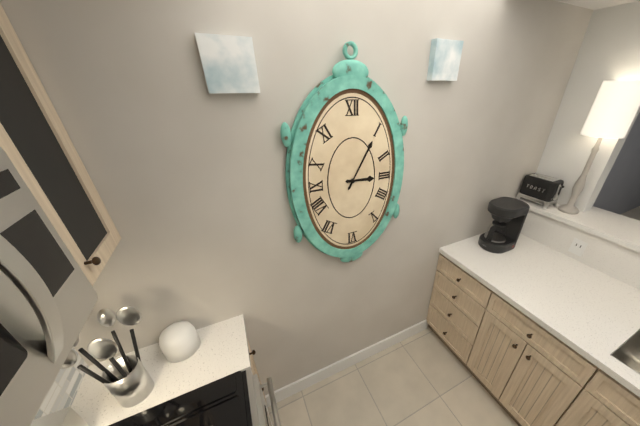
3:05
